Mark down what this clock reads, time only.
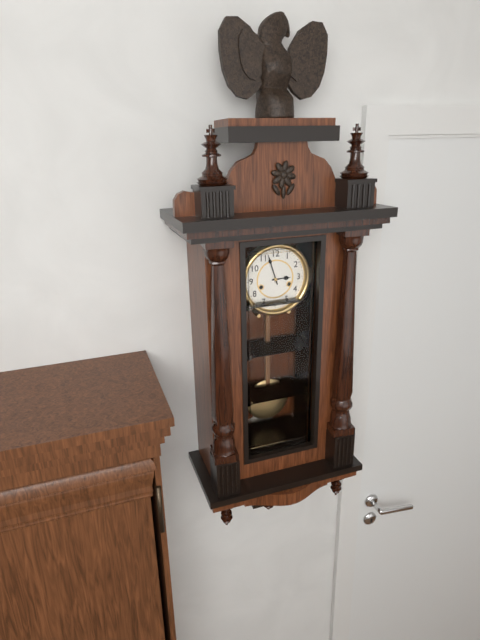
2:57
